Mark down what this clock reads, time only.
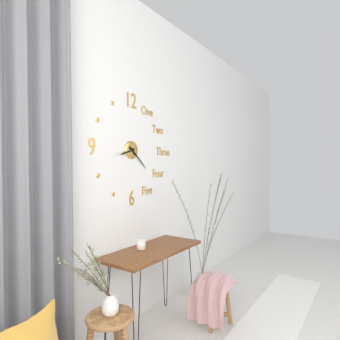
8:22
